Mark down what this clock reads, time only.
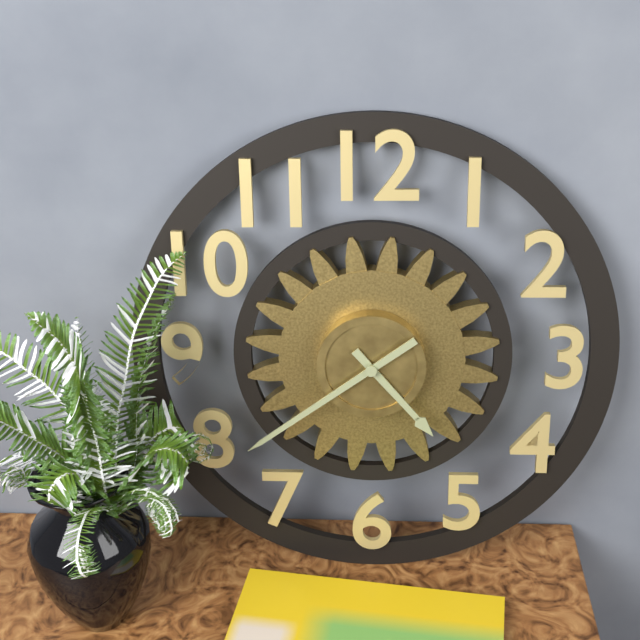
4:39
